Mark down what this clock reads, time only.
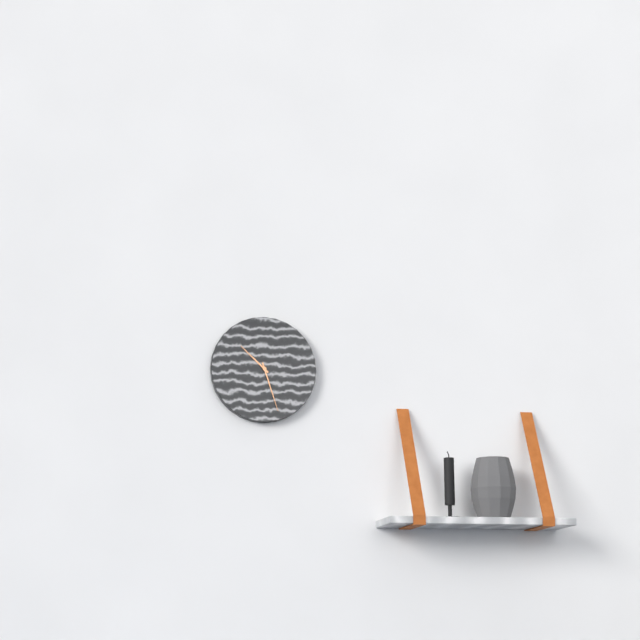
10:27
